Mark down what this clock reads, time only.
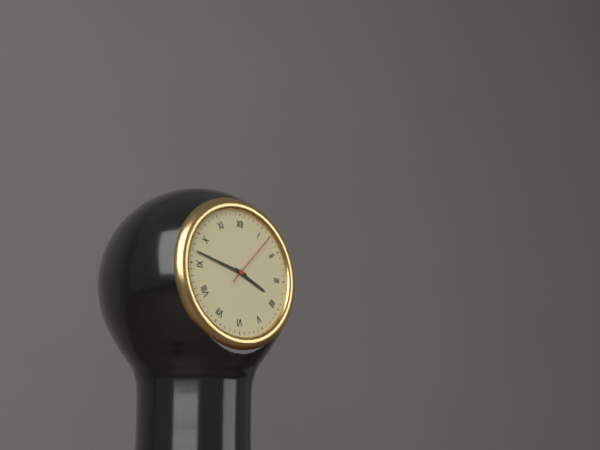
3:47:07
